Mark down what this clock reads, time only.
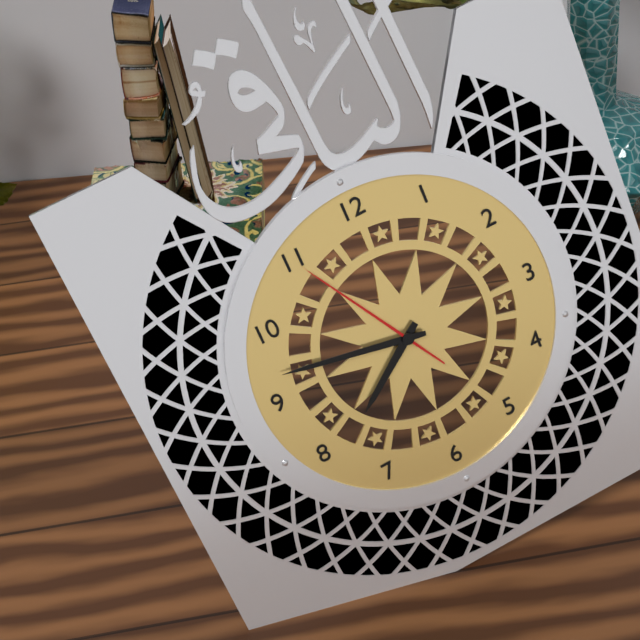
7:47:55
